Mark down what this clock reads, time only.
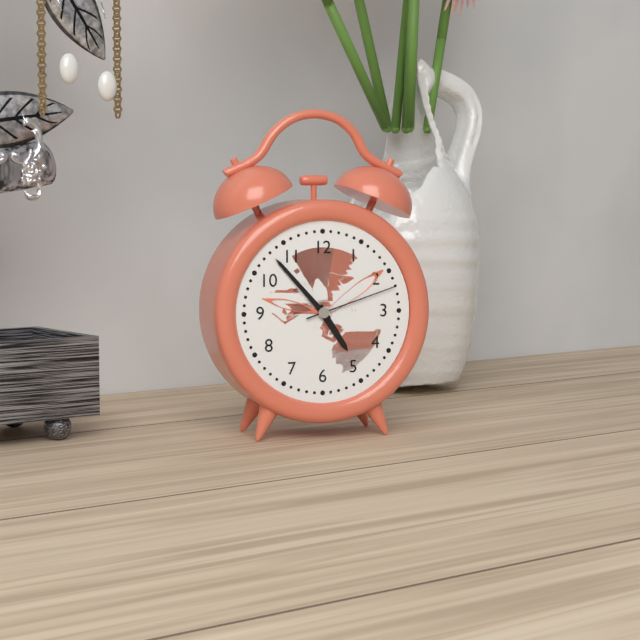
4:53:12
